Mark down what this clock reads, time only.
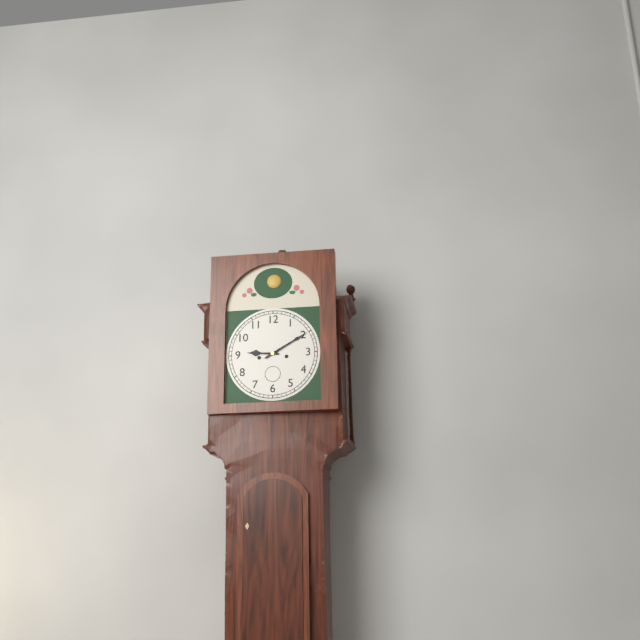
9:10
